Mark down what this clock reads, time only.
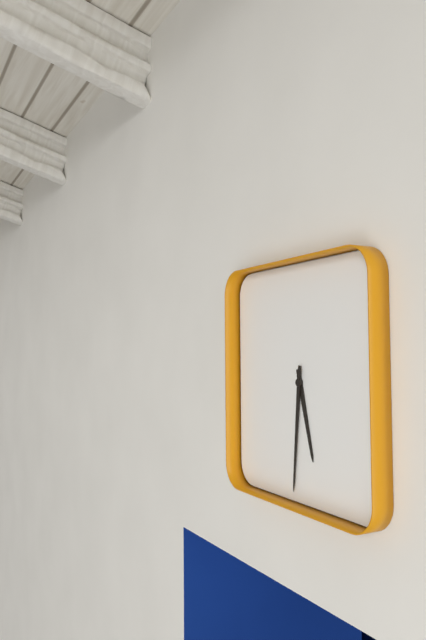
5:31
